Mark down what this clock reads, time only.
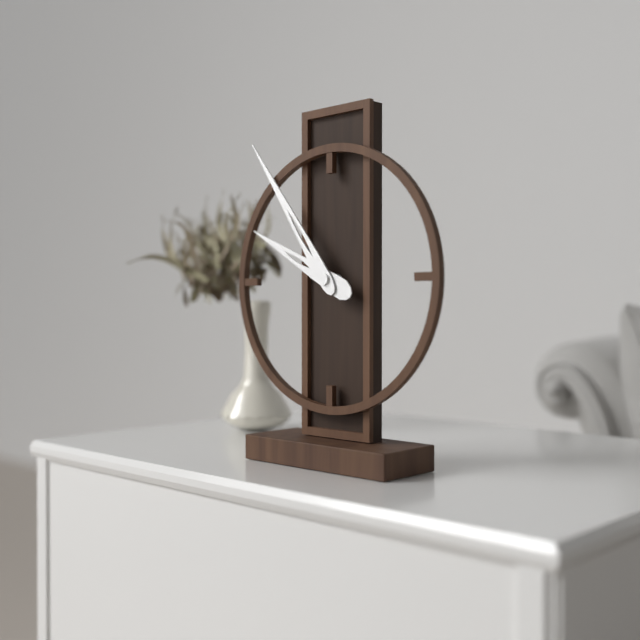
9:54
